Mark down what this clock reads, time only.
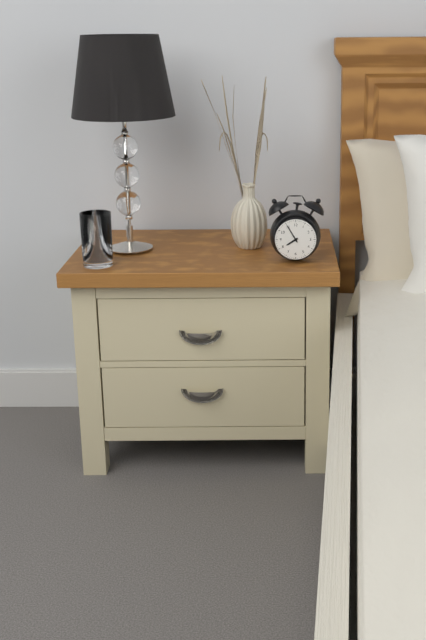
7:55
